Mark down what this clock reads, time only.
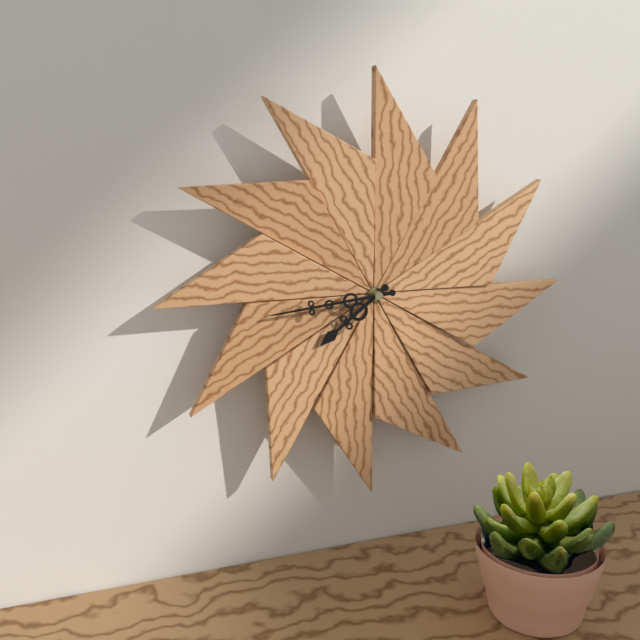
7:44
